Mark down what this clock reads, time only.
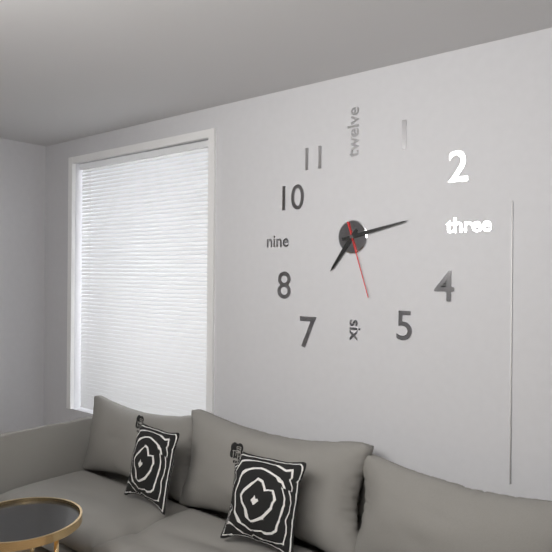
7:13:27
